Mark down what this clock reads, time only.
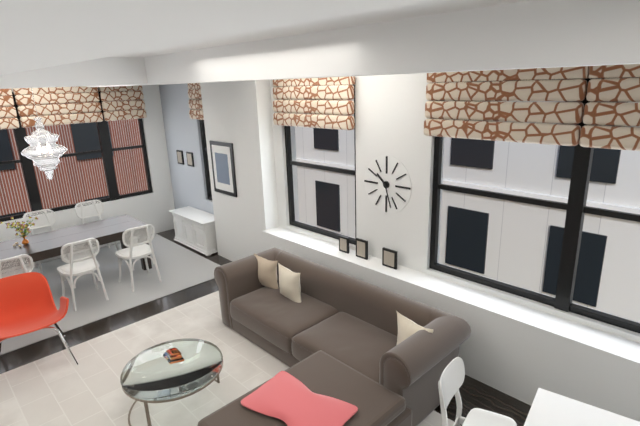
10:27
